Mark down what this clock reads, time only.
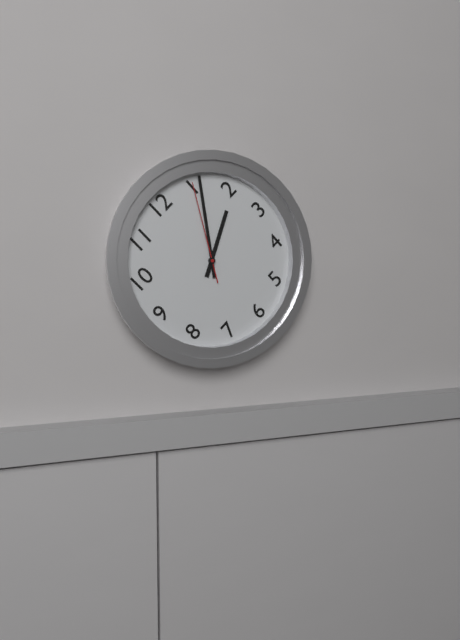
2:06:05
